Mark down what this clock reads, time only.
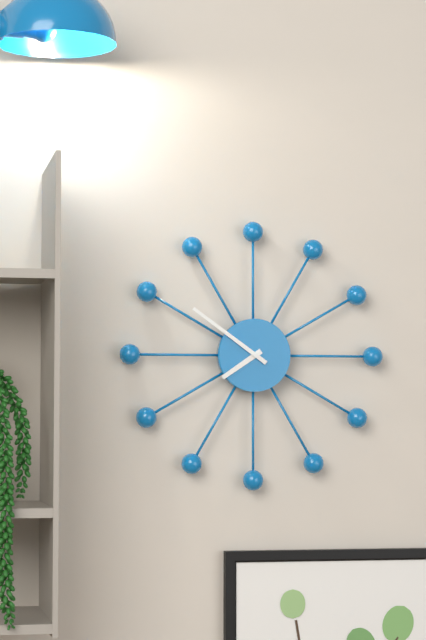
7:51
